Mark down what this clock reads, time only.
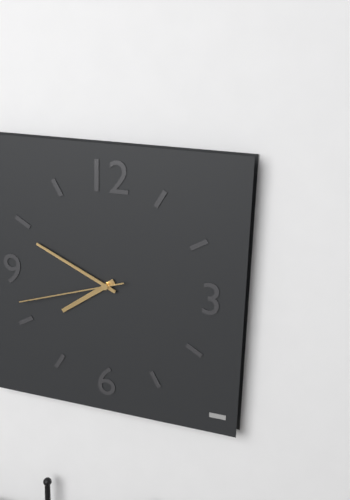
7:49:42
